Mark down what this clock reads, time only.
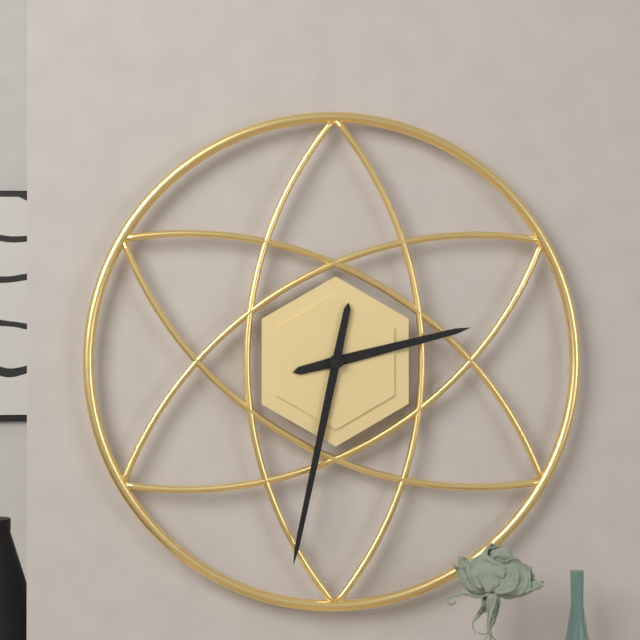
2:32
